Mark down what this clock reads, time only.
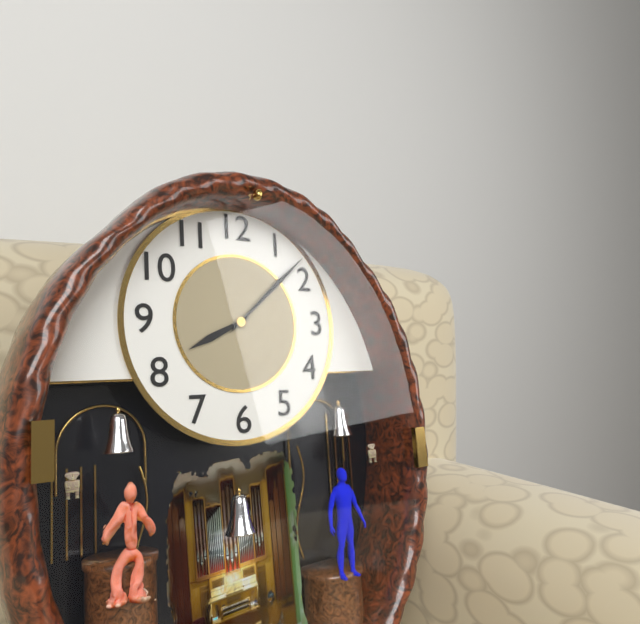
8:08
